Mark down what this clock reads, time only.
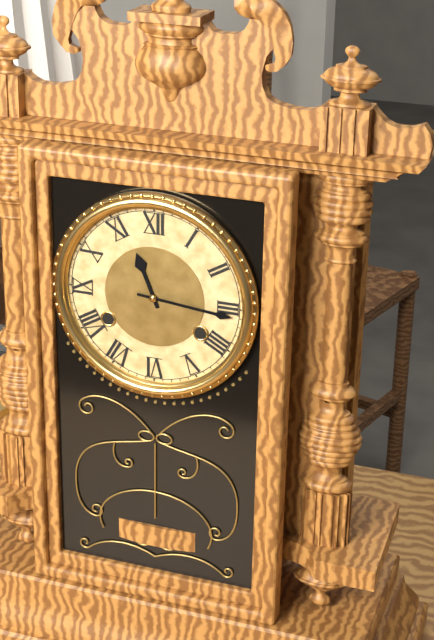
11:16
